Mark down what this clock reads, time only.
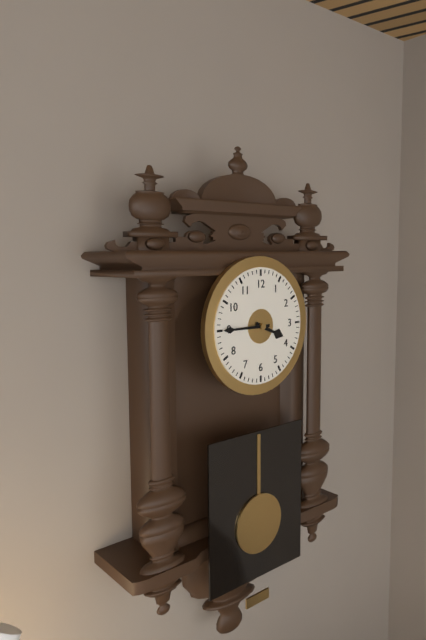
3:45
